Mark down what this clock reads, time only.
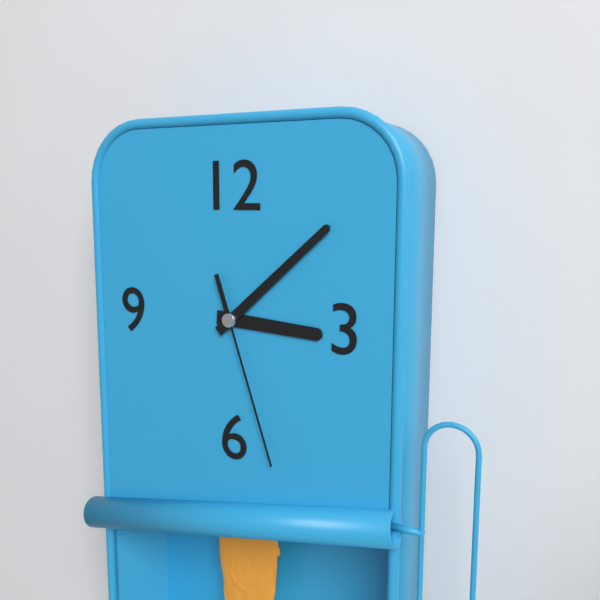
3:08:27
